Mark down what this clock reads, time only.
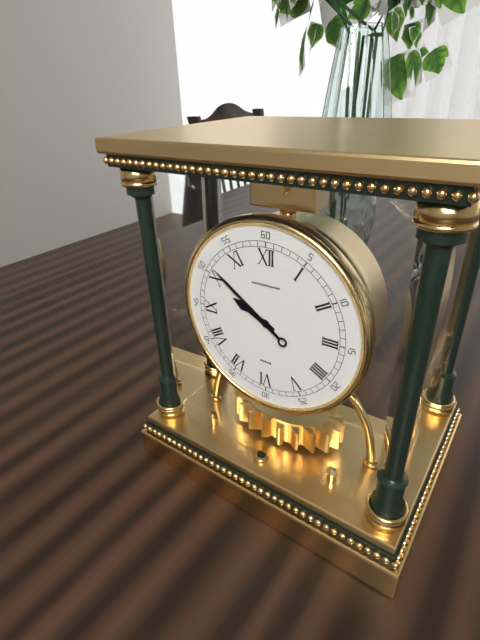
9:51
